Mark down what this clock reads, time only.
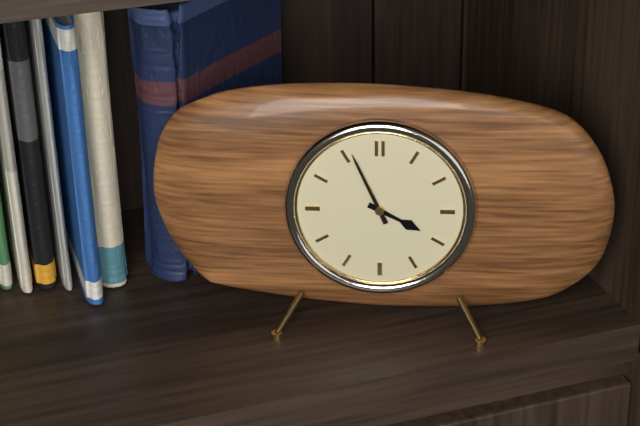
3:56
